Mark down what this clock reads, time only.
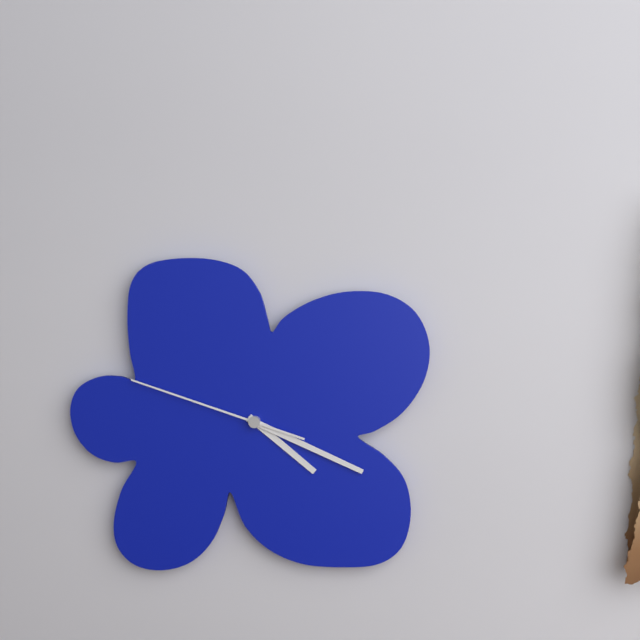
4:19:48
